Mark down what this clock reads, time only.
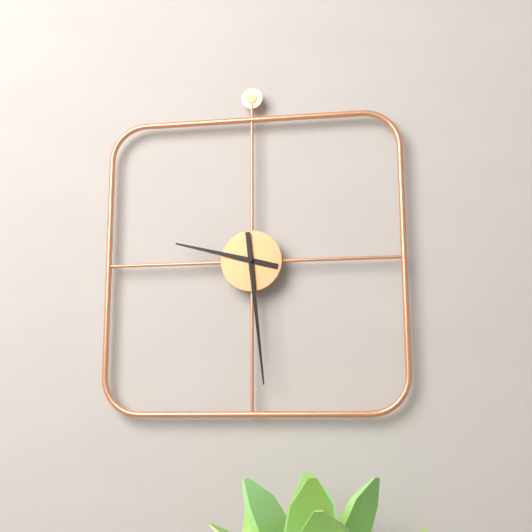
9:29
